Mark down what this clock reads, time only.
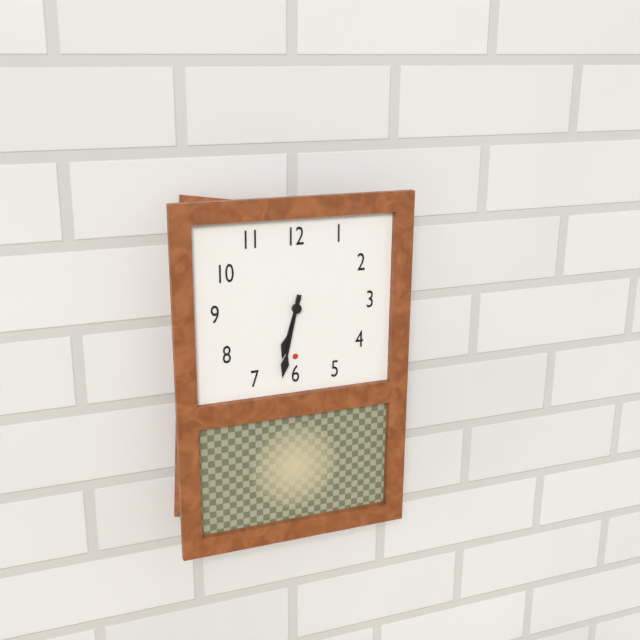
6:32
